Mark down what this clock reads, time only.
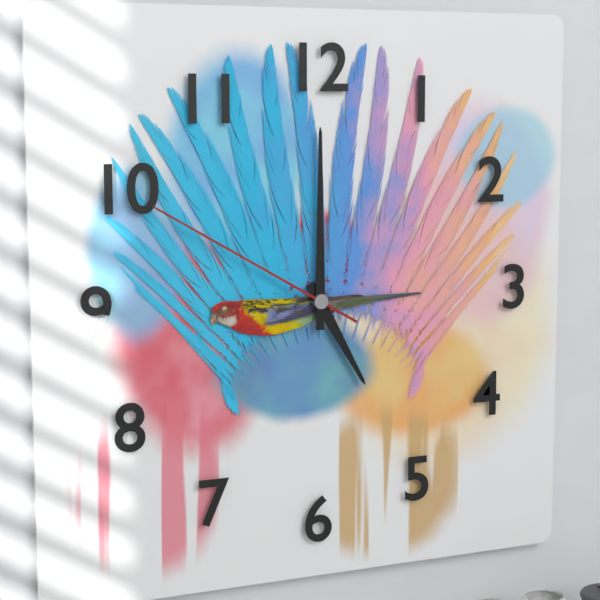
5:00:50
